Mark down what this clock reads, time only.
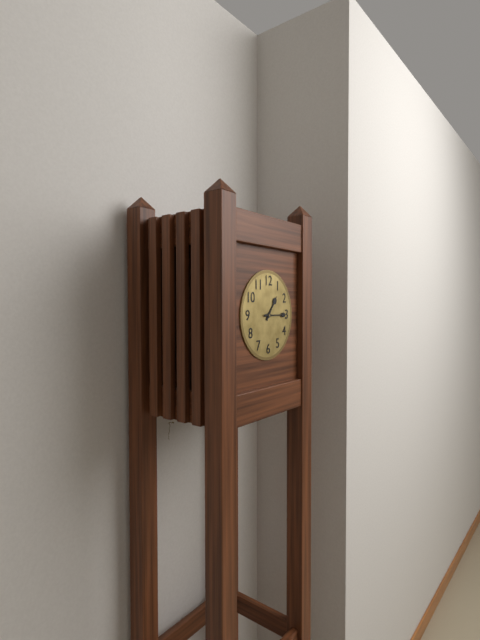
1:15
